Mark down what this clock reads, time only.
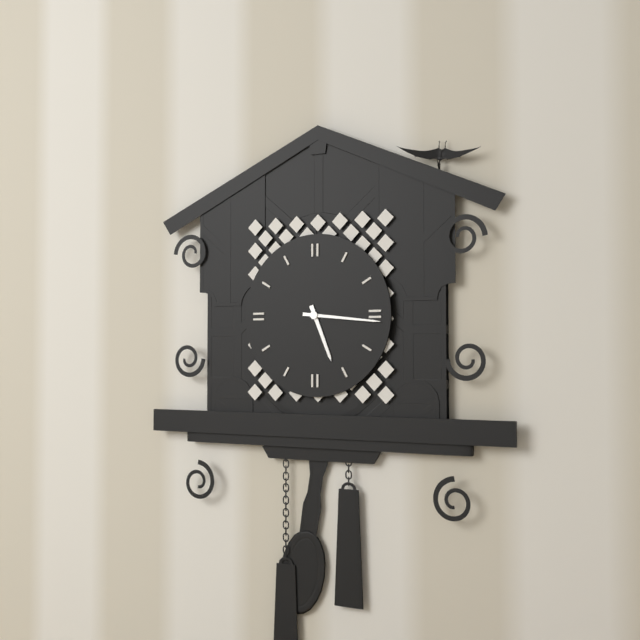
5:16
